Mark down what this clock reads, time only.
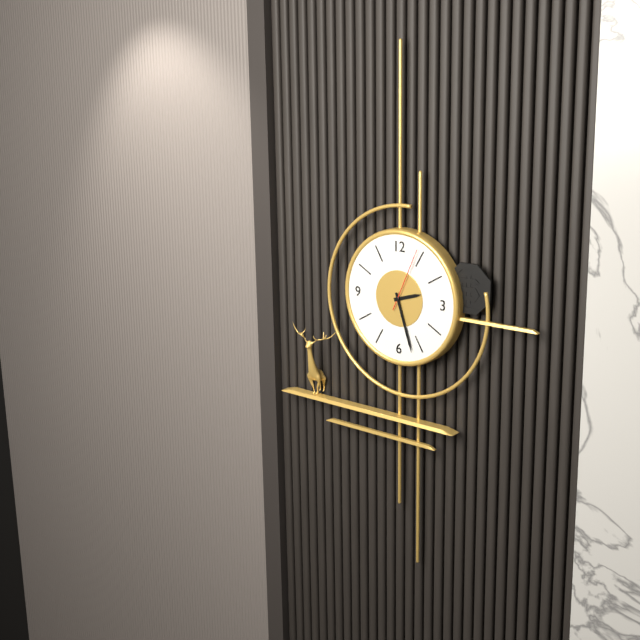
2:27:04
